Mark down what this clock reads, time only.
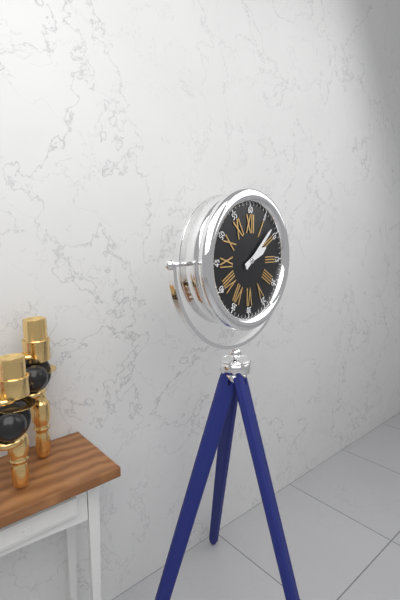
2:08
